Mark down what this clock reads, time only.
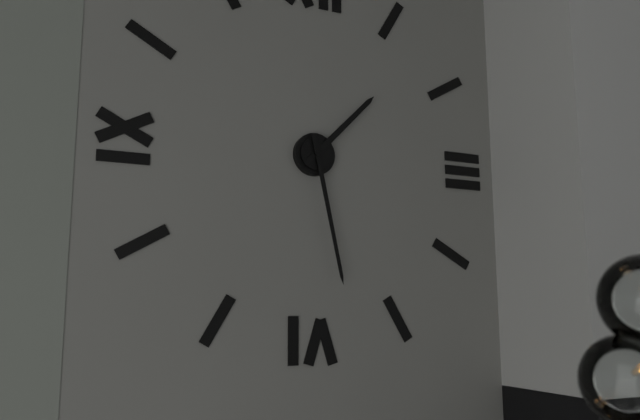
1:28
